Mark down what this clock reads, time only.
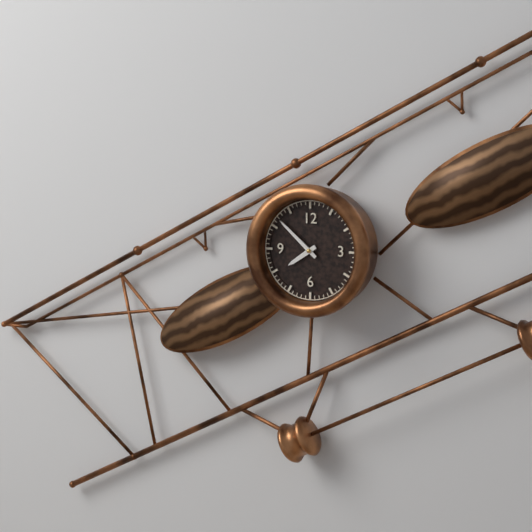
7:52
